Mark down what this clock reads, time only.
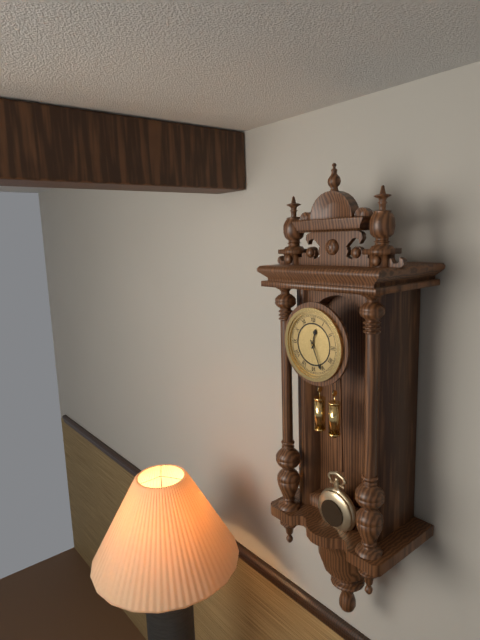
12:26
